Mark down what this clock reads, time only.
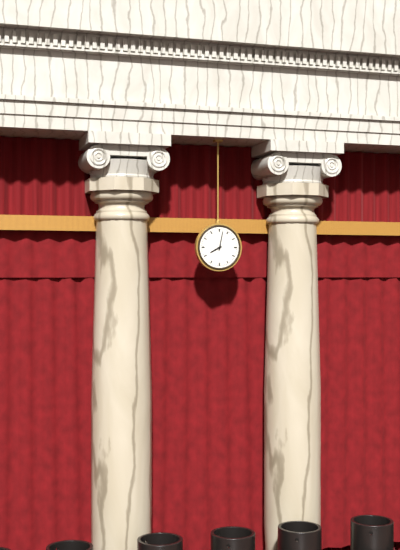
8:02
